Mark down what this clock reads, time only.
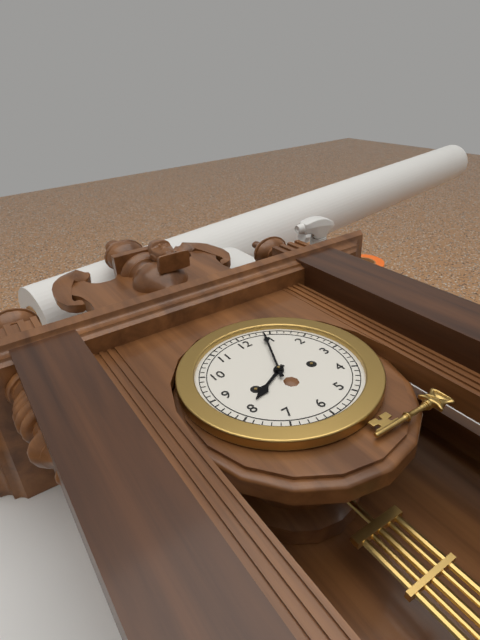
8:04
